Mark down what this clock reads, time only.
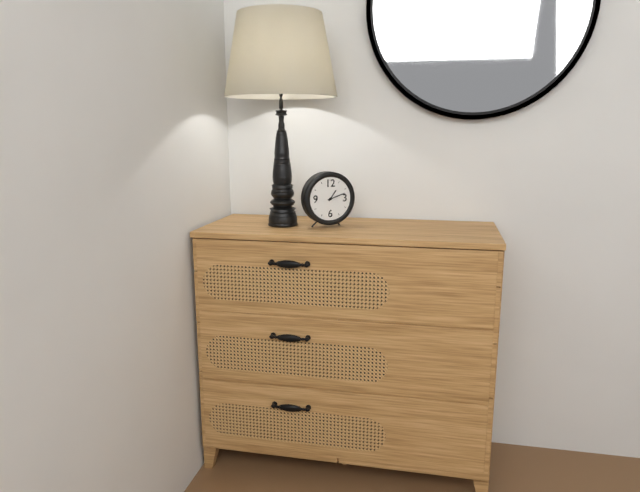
1:12
